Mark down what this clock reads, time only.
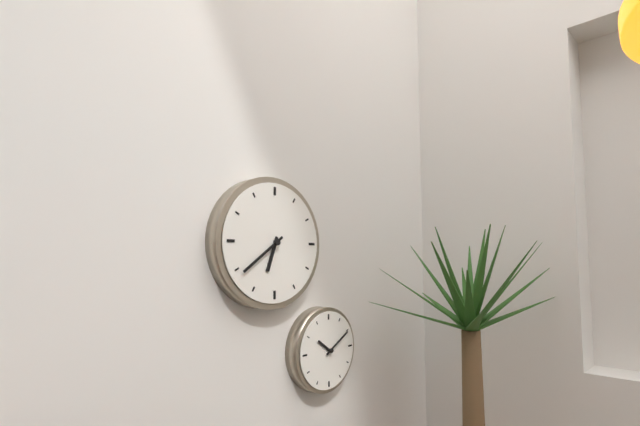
6:39
